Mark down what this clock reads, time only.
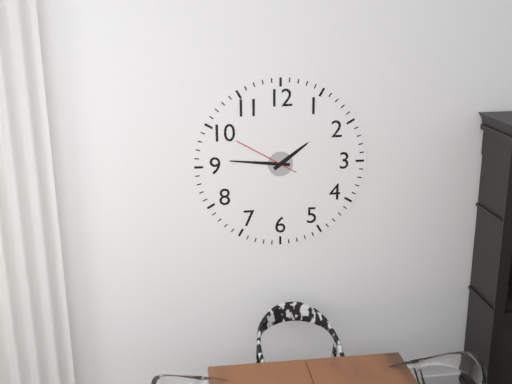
1:46:50
